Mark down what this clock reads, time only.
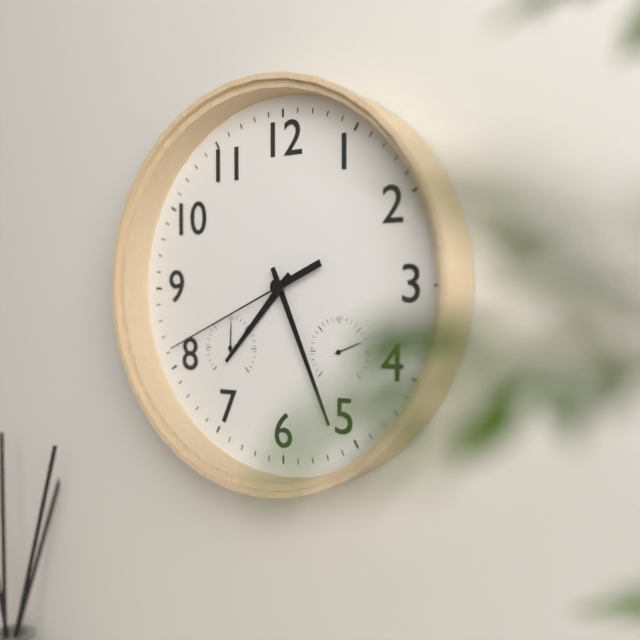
7:26:41
